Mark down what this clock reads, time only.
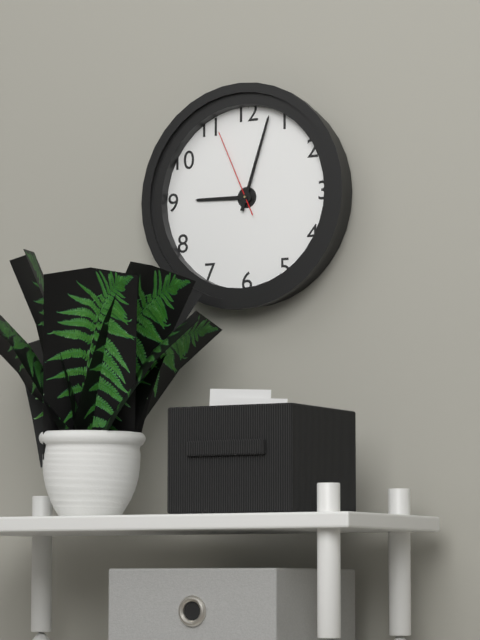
9:03:56
